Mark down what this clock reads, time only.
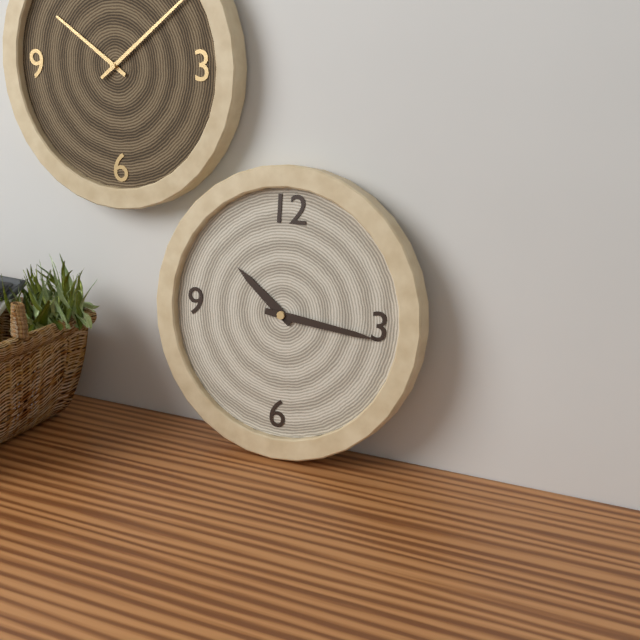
10:16
